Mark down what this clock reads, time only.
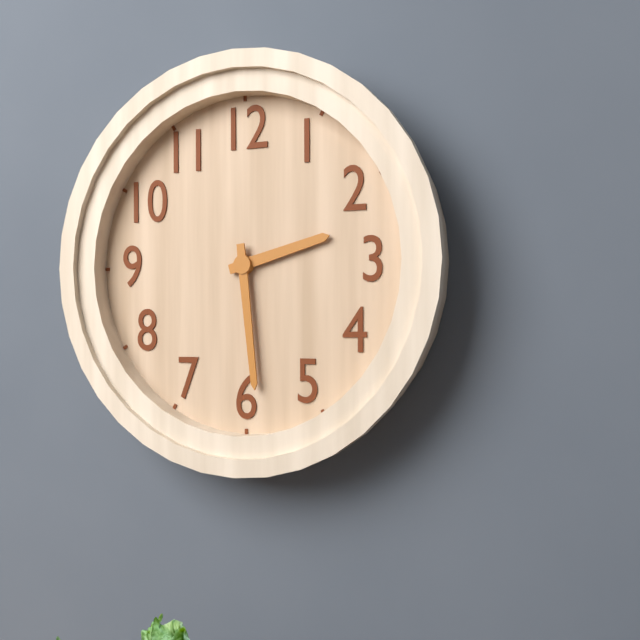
2:29
